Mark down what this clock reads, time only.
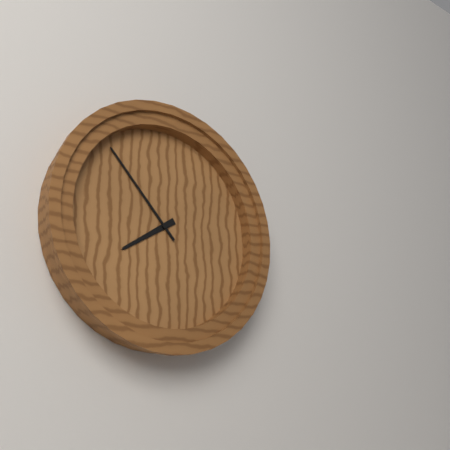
7:53
